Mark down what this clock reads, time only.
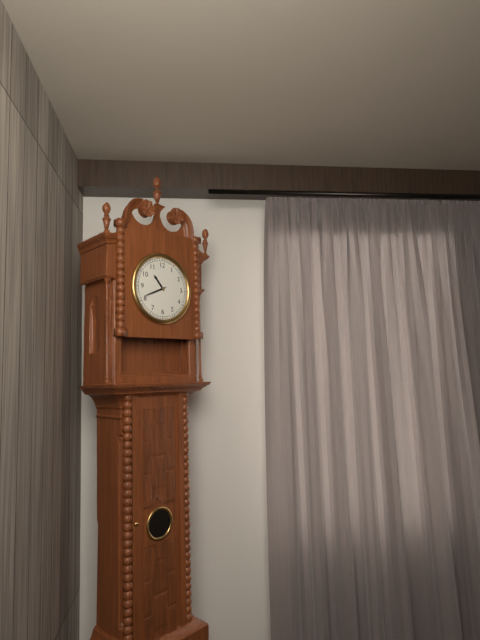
10:41
